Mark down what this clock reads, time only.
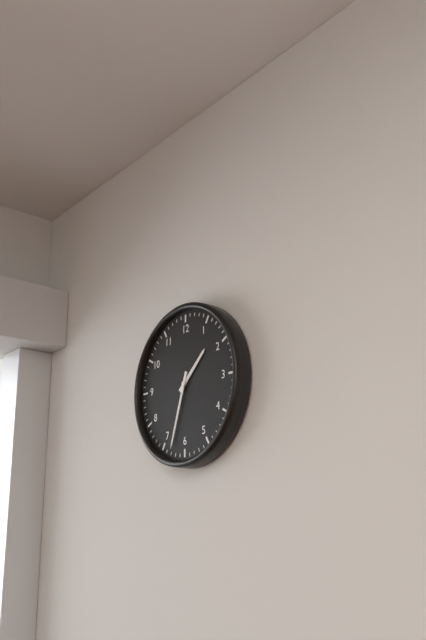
1:33
